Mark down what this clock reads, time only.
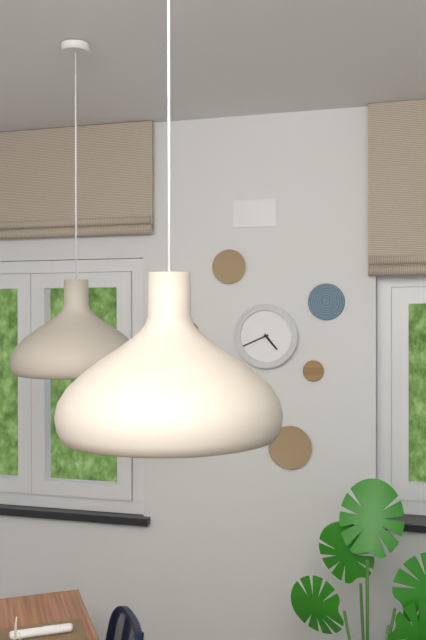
4:41
